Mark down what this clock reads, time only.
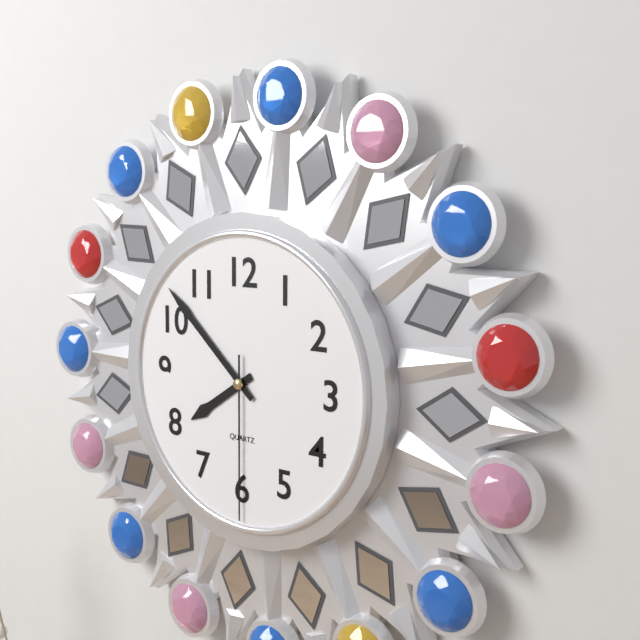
7:52:30
